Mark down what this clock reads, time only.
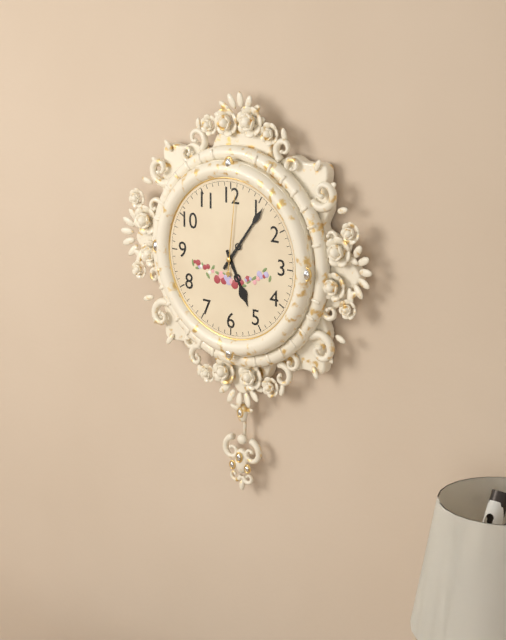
5:06:01
